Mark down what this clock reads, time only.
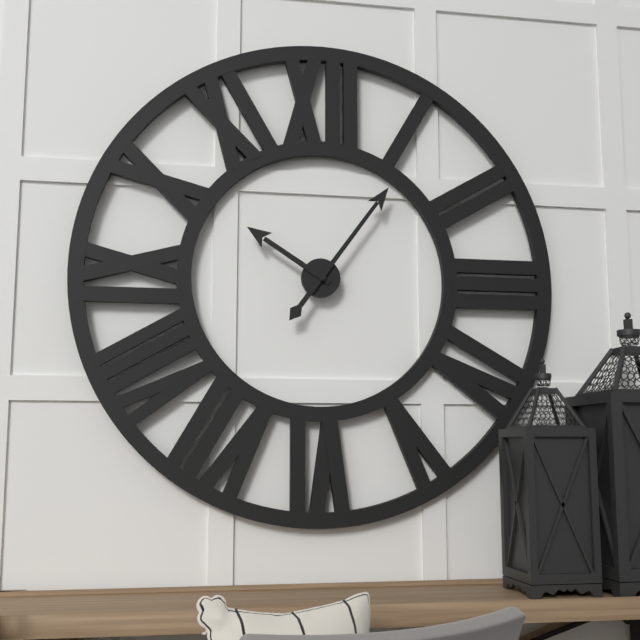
10:06
